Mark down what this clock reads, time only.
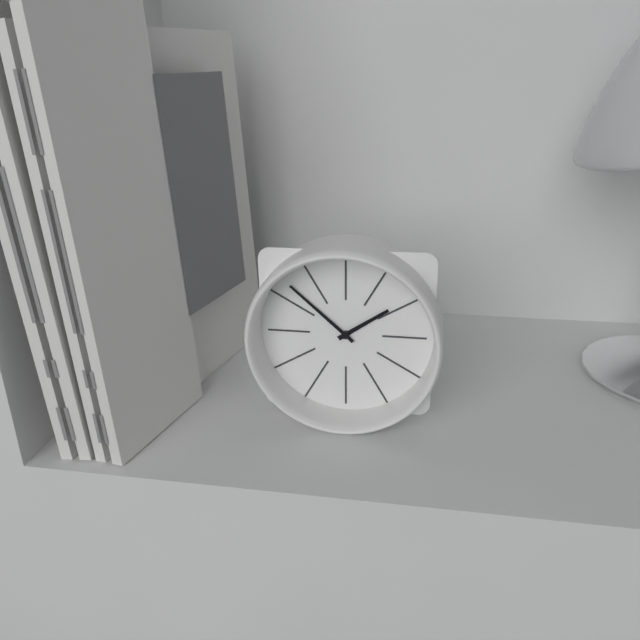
1:52
